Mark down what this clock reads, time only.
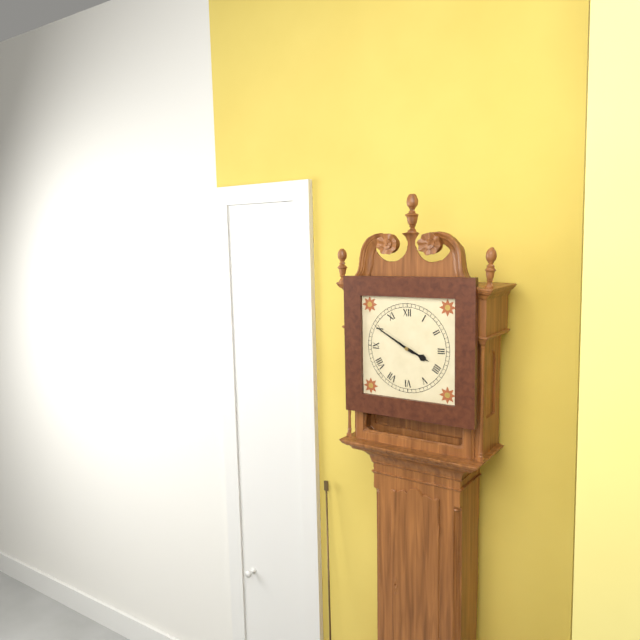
3:50
